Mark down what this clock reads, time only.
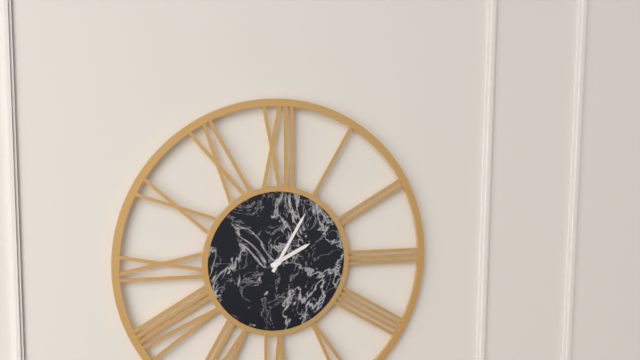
2:05
